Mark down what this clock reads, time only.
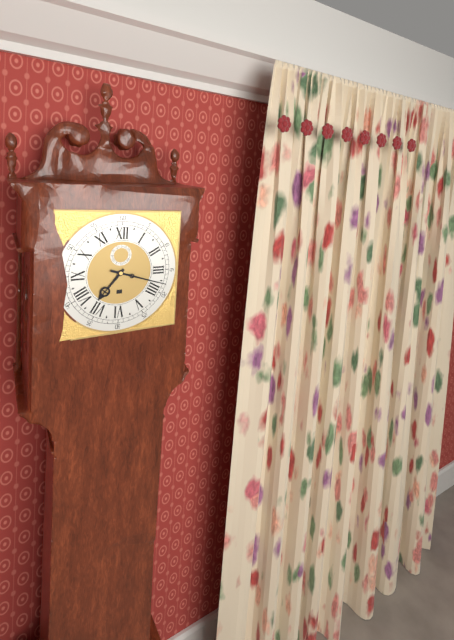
7:18
